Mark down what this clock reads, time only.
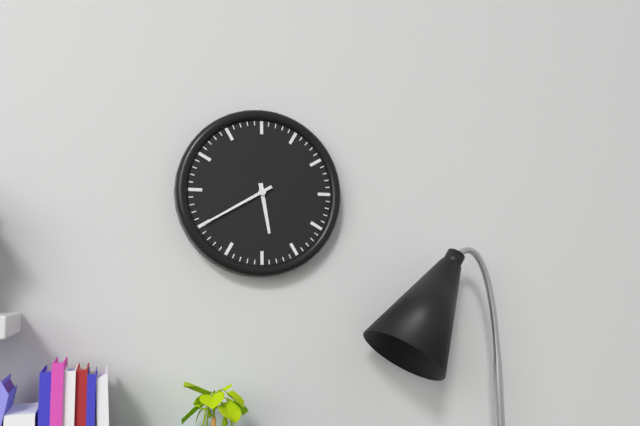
5:40
